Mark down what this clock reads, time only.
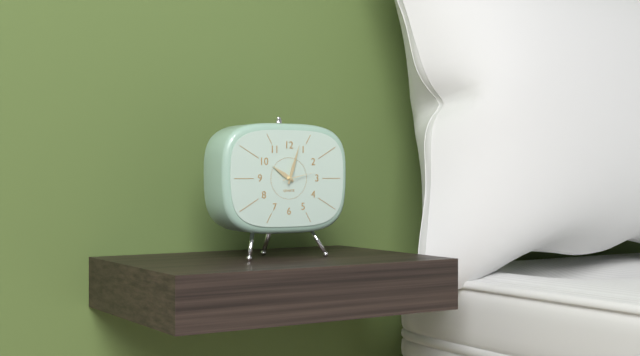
10:03
